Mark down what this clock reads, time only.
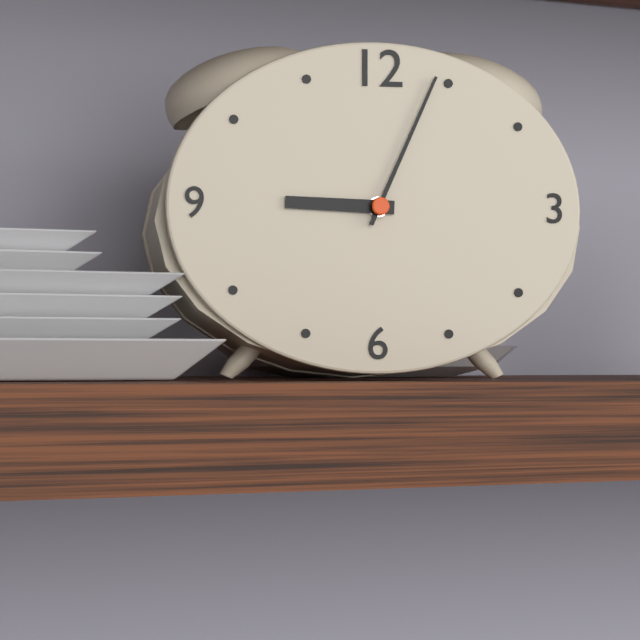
9:04
